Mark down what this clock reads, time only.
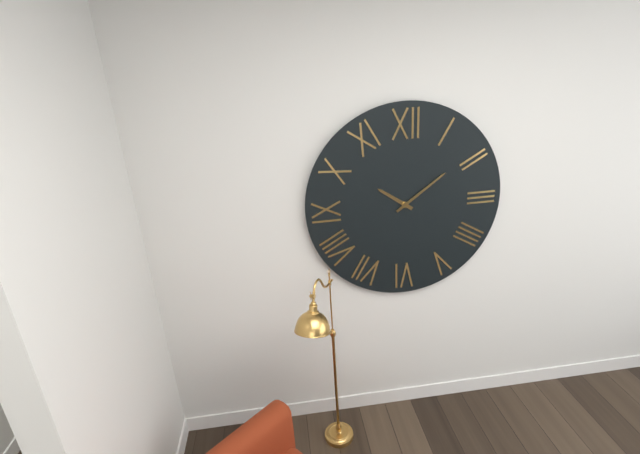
10:09
